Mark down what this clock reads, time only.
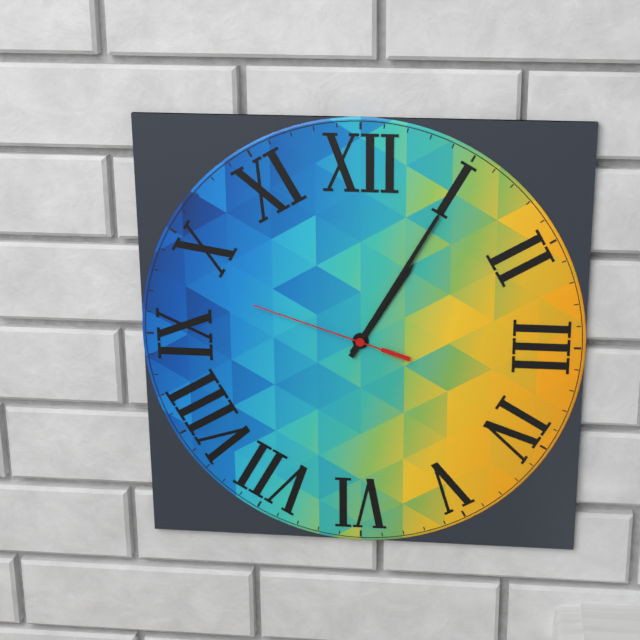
1:05:48
